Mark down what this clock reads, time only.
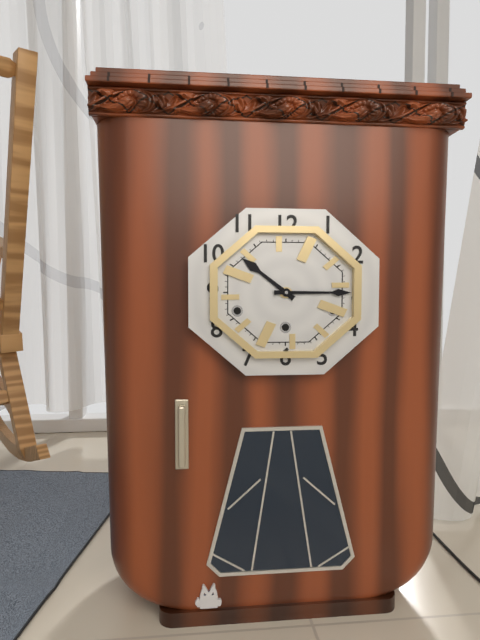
10:15
